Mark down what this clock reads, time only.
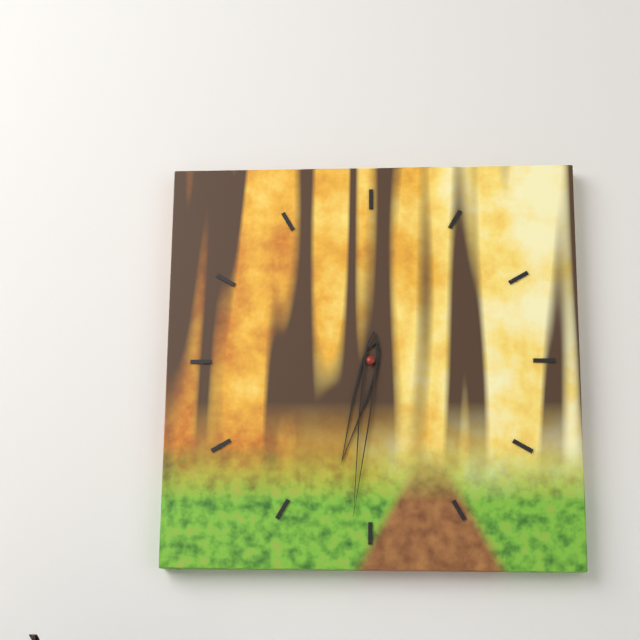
6:31
